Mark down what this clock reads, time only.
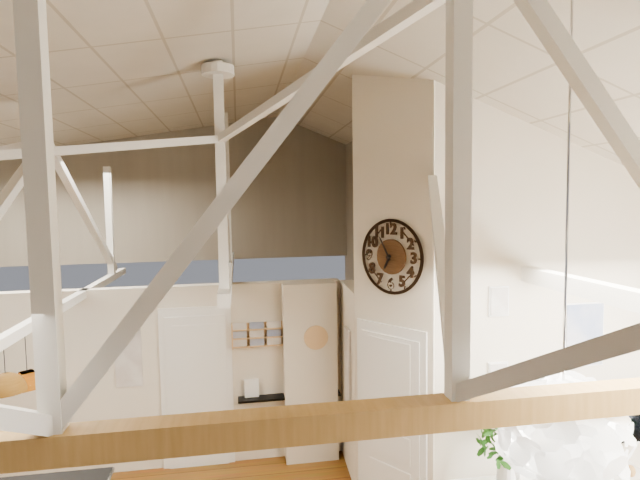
6:55
